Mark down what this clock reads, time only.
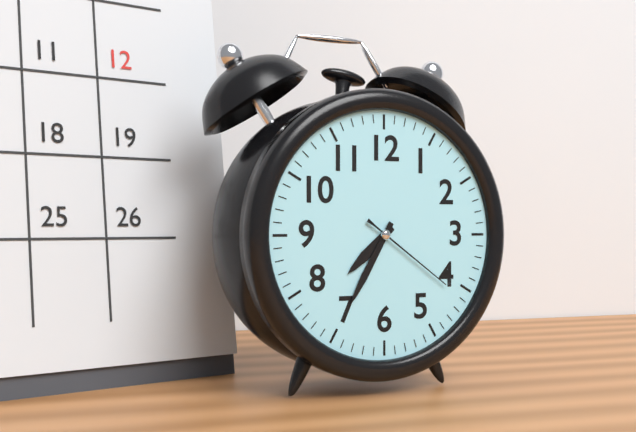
7:35:21
